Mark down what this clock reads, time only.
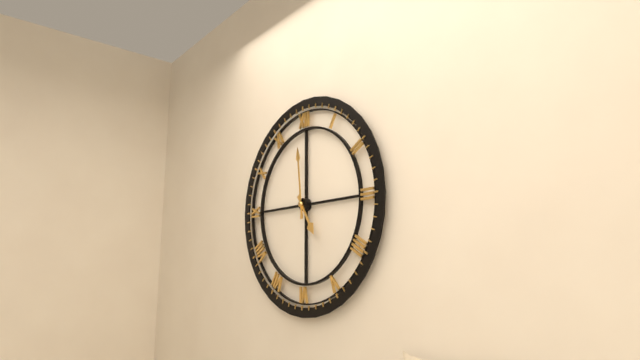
4:59
